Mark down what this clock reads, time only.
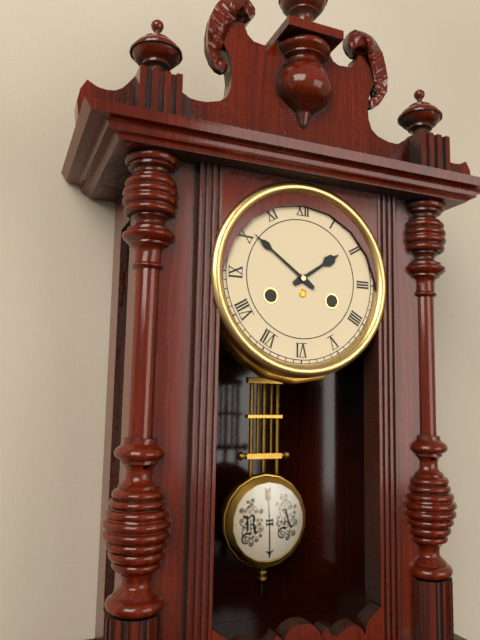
1:51
